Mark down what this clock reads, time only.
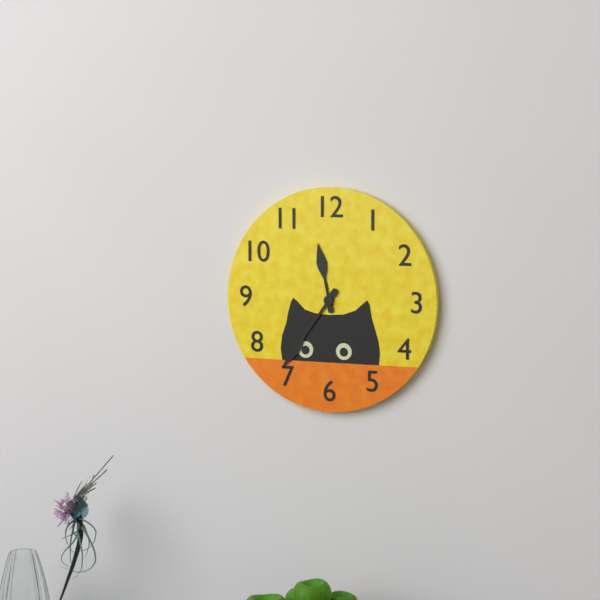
11:36
